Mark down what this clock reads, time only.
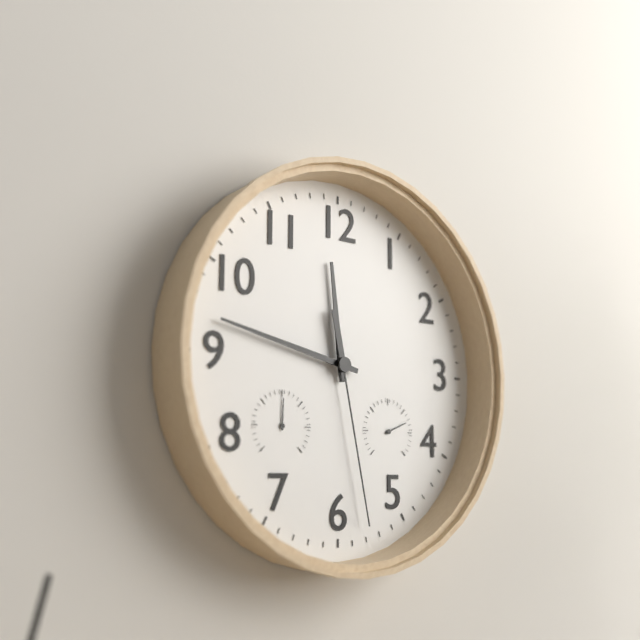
11:47:28
